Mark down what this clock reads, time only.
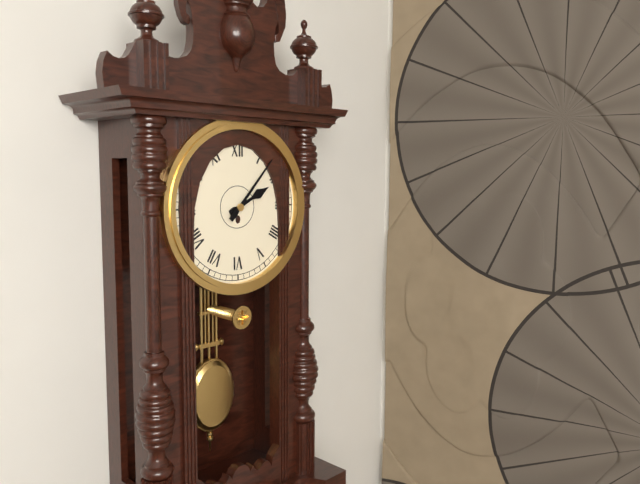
2:07
